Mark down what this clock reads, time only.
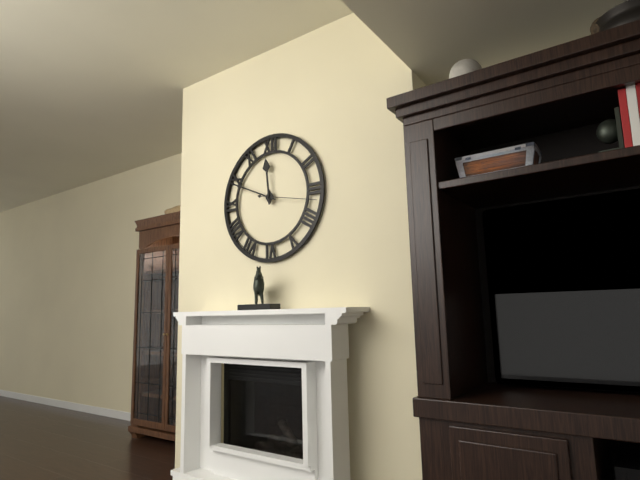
11:49:17
